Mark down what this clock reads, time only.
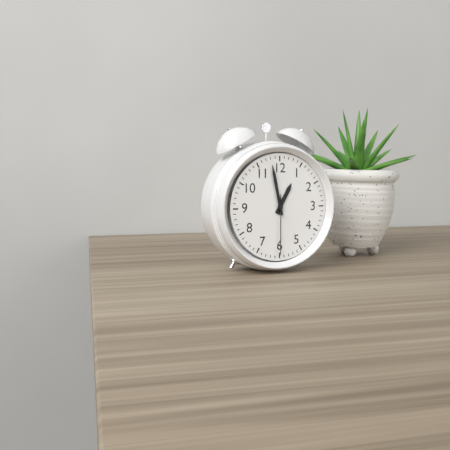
12:58:30
